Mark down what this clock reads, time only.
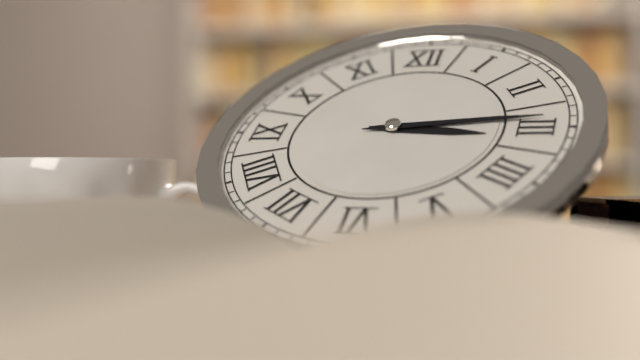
3:14
